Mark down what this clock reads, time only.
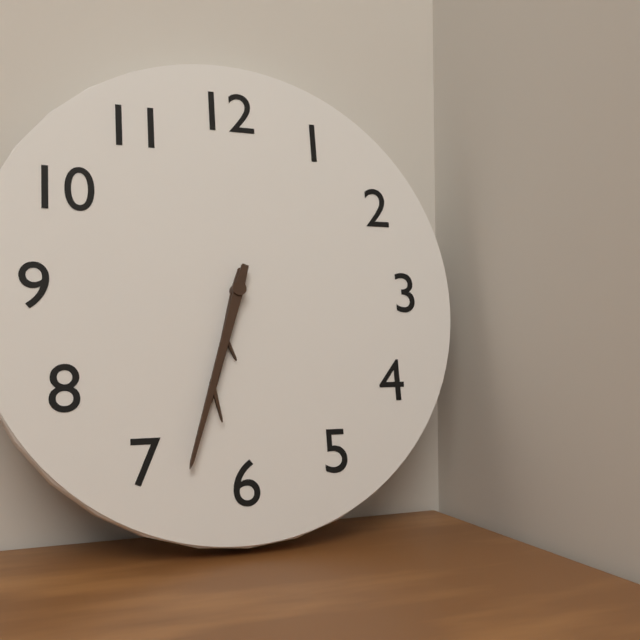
6:33
